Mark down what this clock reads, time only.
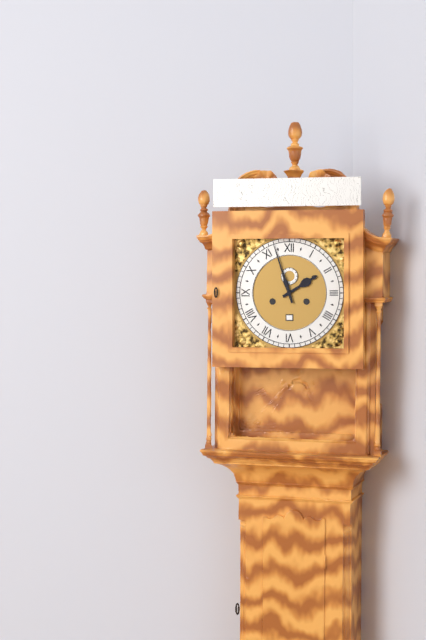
1:57
